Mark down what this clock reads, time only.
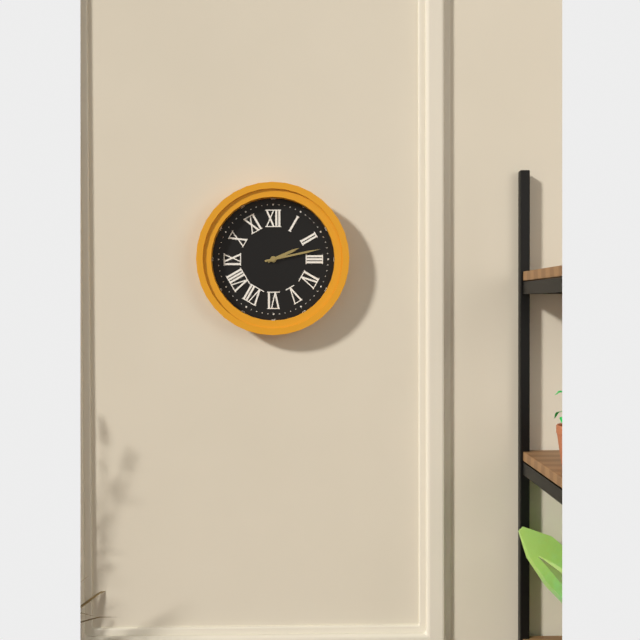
2:13
